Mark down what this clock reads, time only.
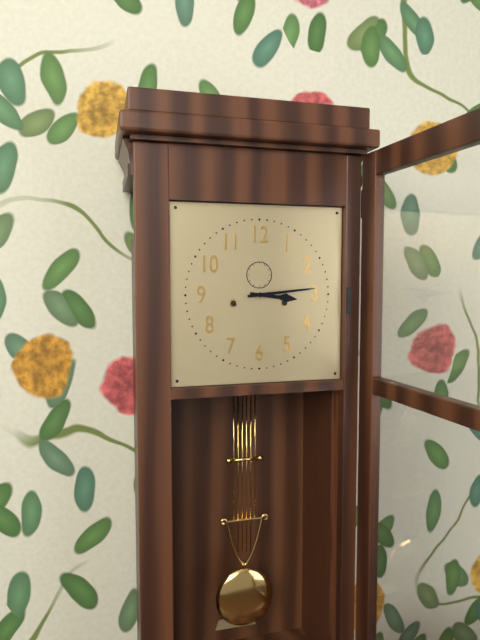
3:14
